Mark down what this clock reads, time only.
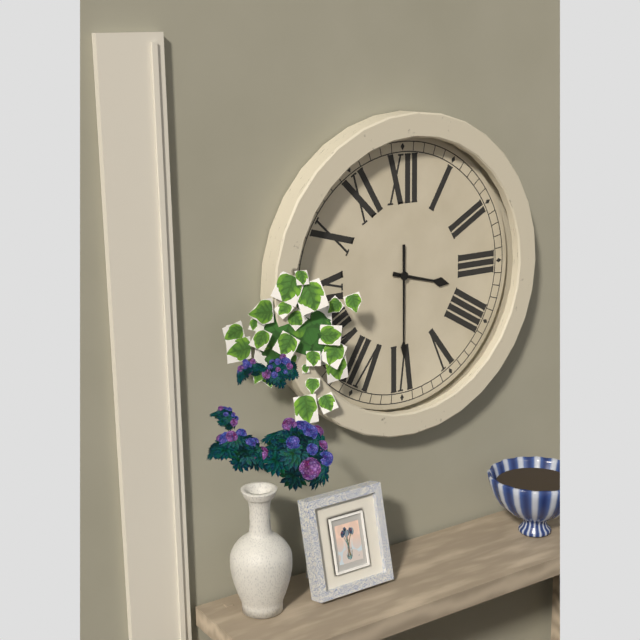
3:30
